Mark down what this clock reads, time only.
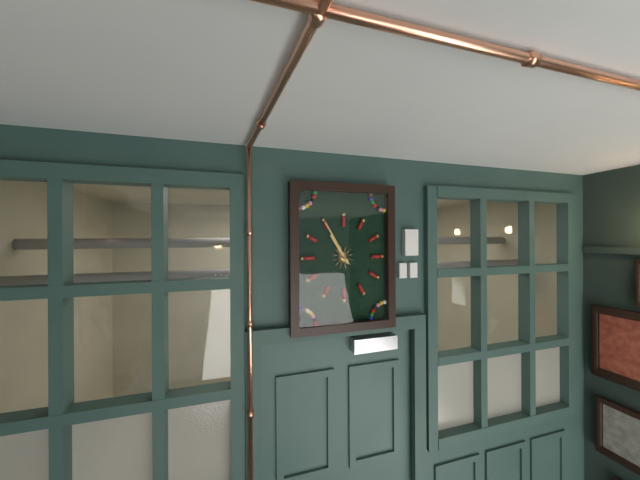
10:55
